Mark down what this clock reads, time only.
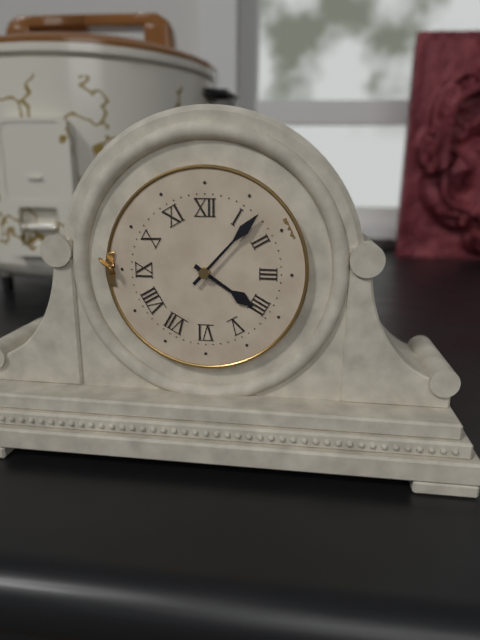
4:07
